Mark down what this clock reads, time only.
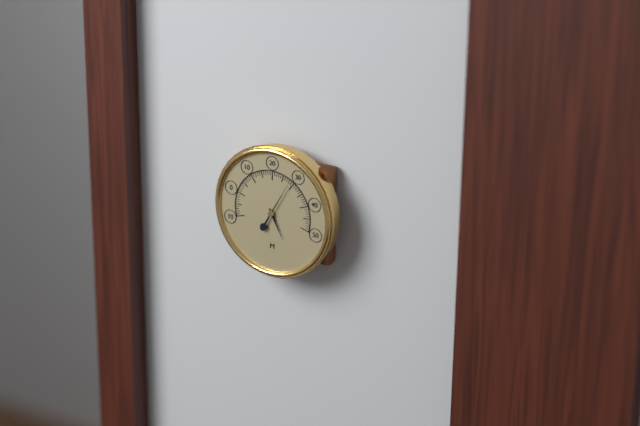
5:05
